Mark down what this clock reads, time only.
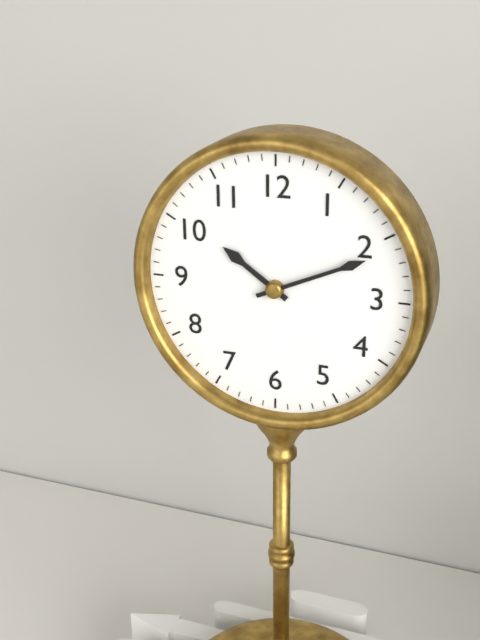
10:11
